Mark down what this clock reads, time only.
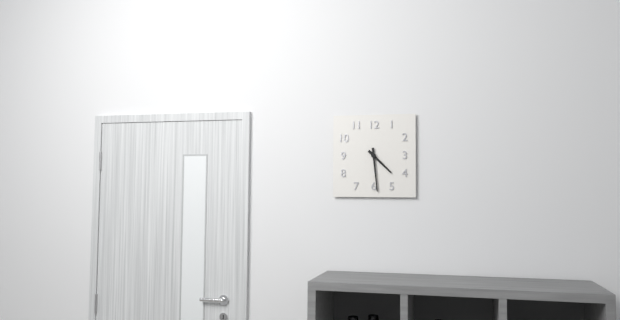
4:29
